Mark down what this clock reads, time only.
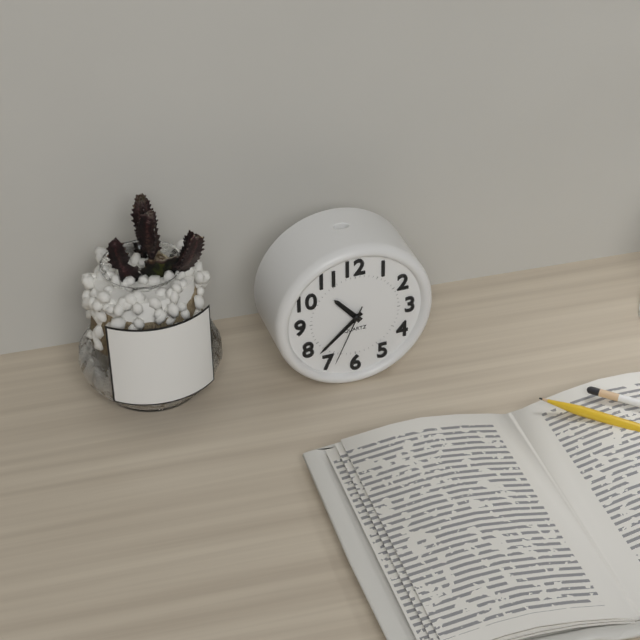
10:38:34
